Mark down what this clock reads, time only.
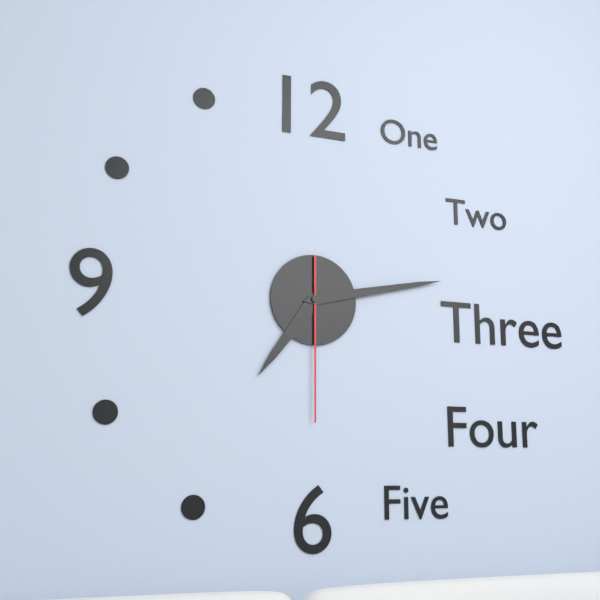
7:13:30
